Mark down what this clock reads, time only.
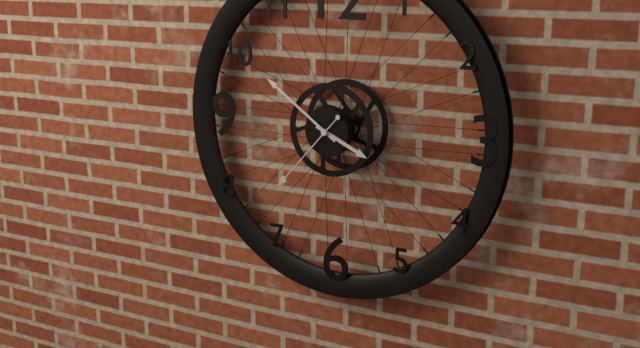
3:51:37
